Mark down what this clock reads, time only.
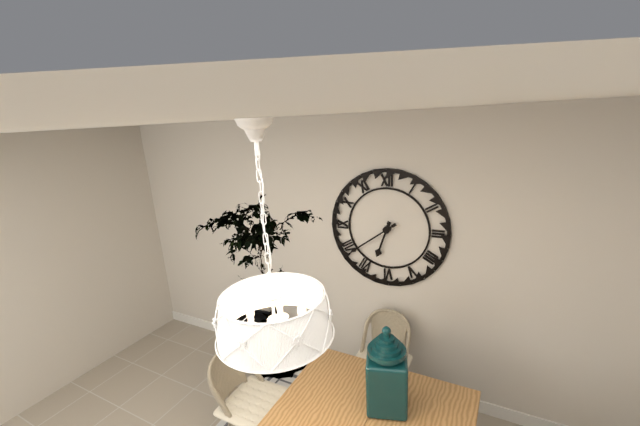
6:39
